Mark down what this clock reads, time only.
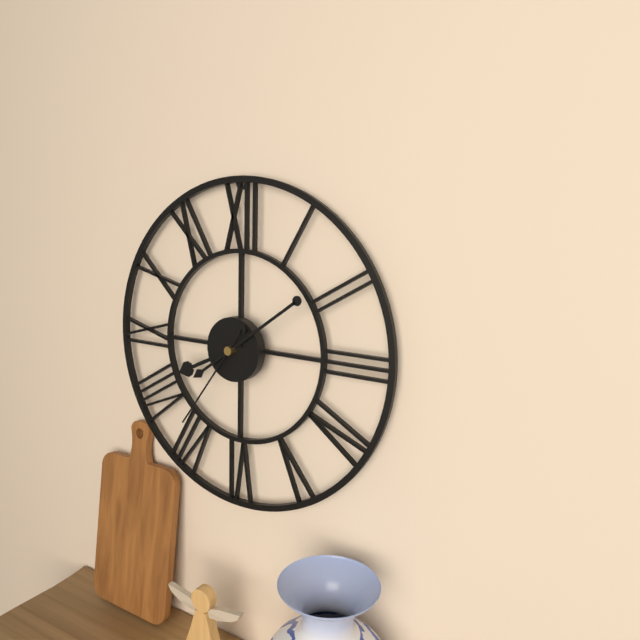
8:09:36
